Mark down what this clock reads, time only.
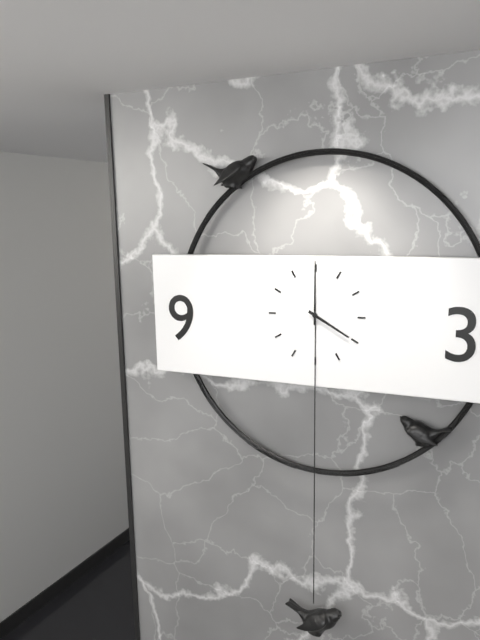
4:00
